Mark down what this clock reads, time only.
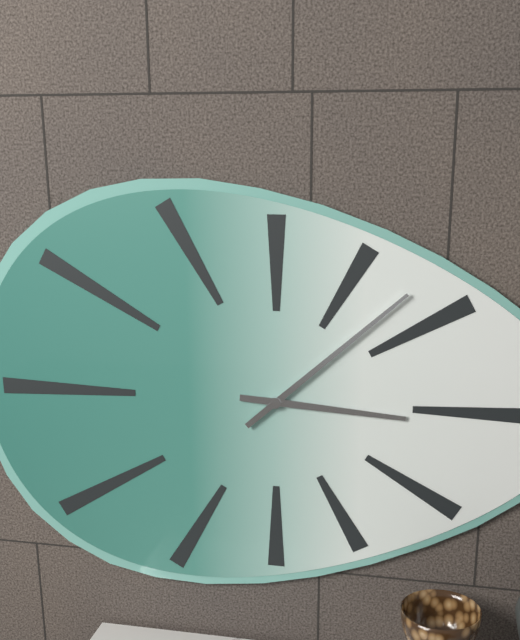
3:08
